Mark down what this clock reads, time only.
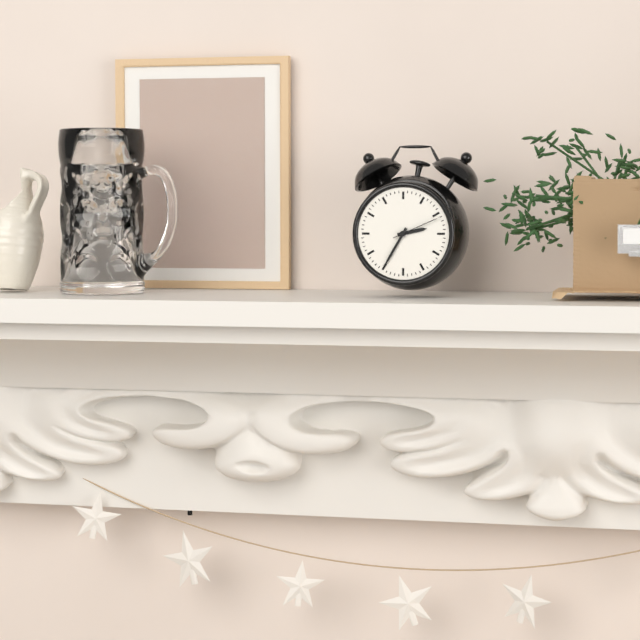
2:35:11
